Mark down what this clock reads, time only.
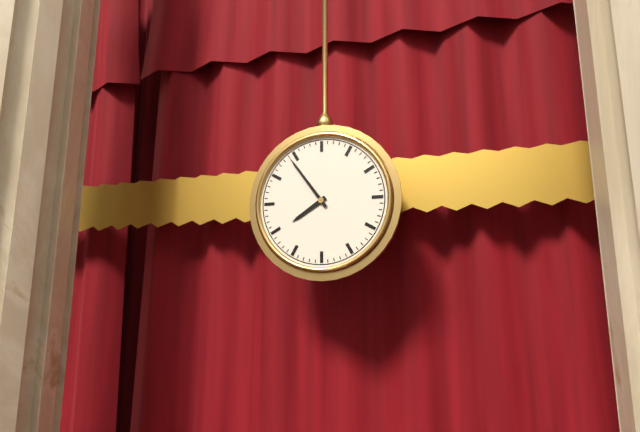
7:54
